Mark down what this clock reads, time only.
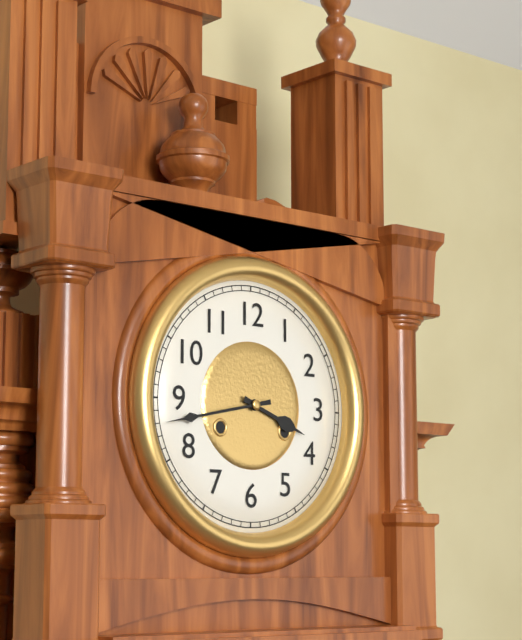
3:43
